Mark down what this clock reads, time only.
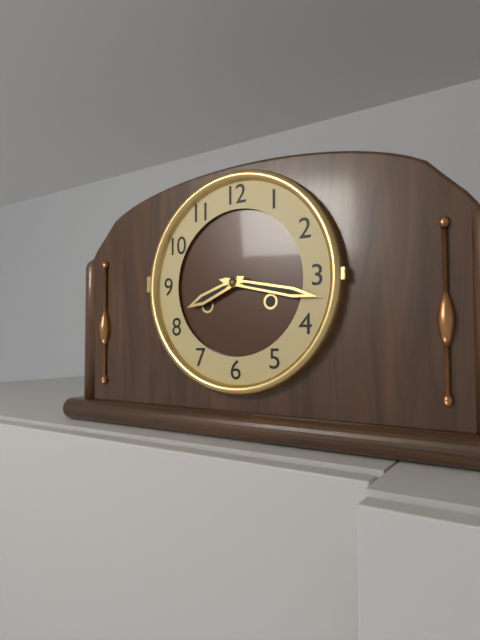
8:17
